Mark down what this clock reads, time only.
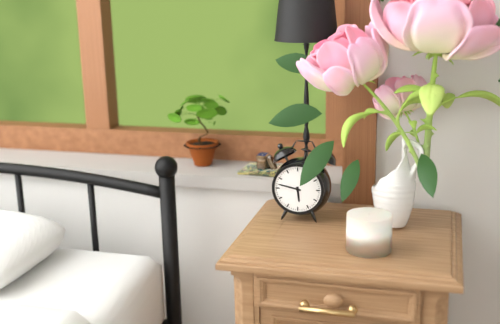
5:47
